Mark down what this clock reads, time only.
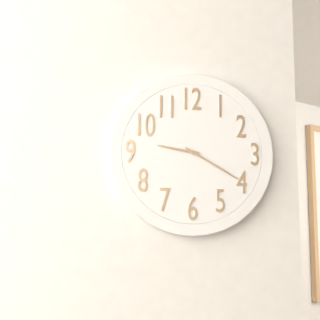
9:20
